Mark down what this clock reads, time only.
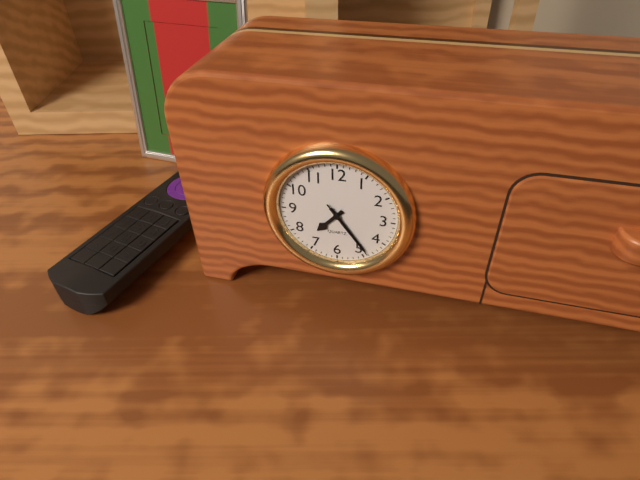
7:24:24
